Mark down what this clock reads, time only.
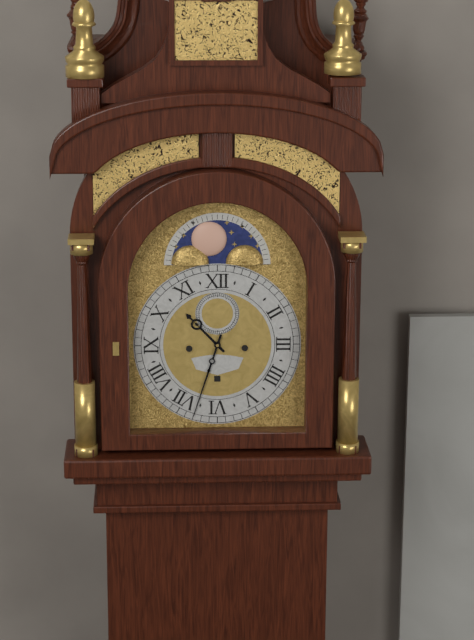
10:33
